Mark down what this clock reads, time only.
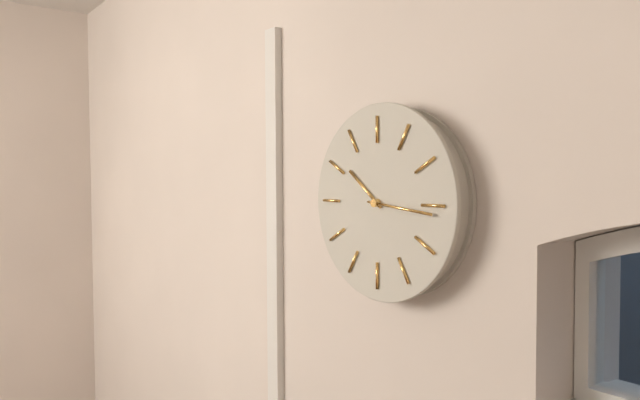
10:16
